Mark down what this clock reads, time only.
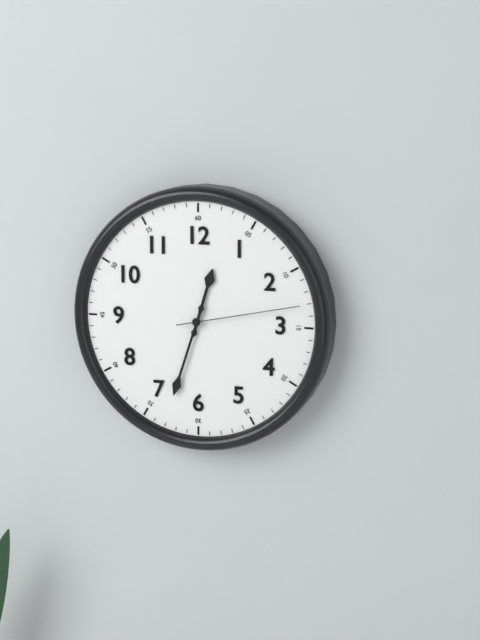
12:33:13
